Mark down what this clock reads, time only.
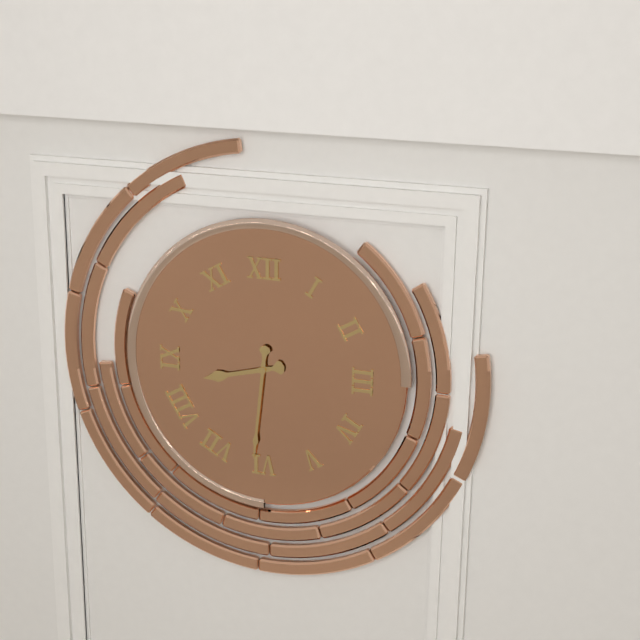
8:31
